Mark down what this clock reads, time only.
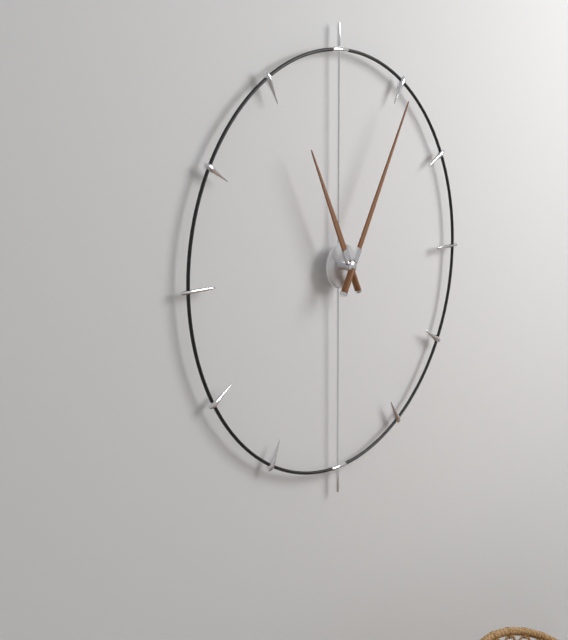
11:05
